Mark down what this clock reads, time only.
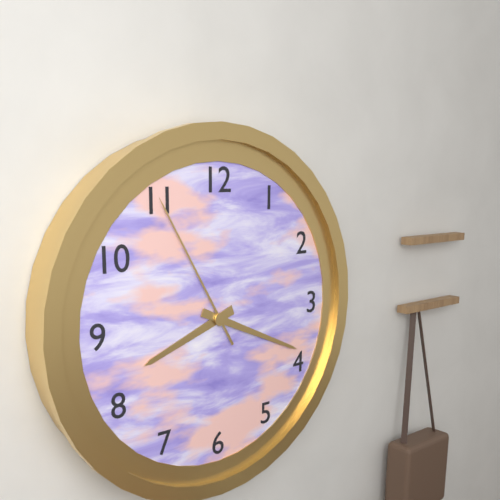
8:19:55
